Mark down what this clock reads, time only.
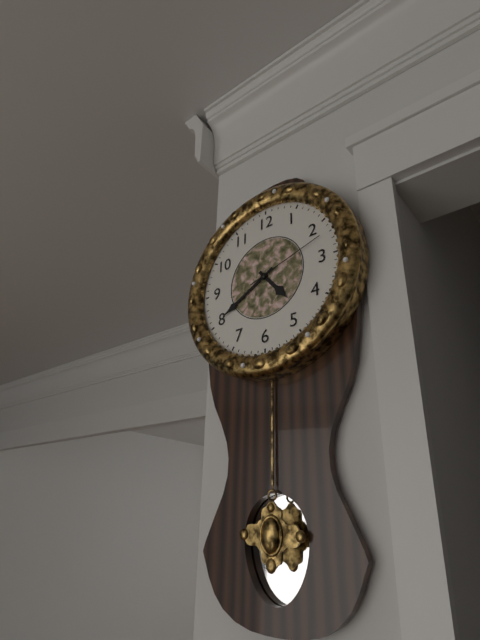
4:40:12
